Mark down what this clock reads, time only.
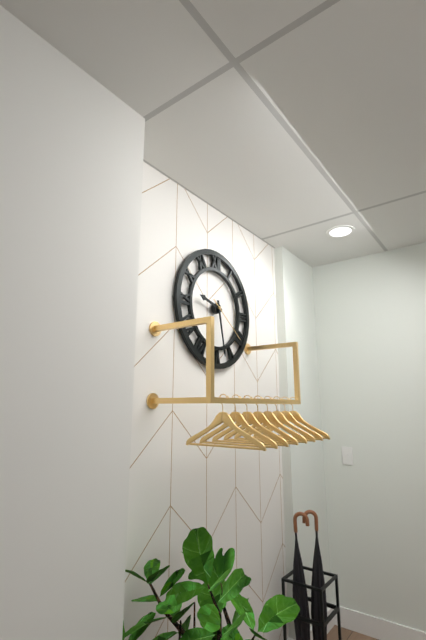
9:28:21
